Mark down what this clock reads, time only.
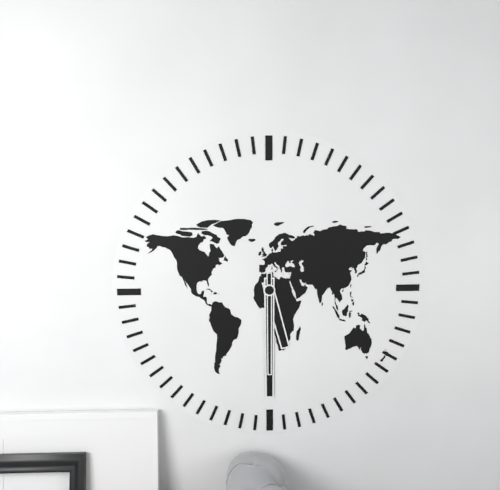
5:30:30
